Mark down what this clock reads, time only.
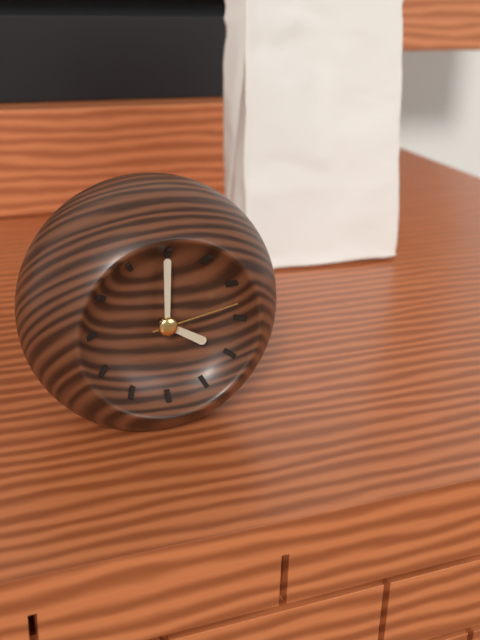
4:00:13
